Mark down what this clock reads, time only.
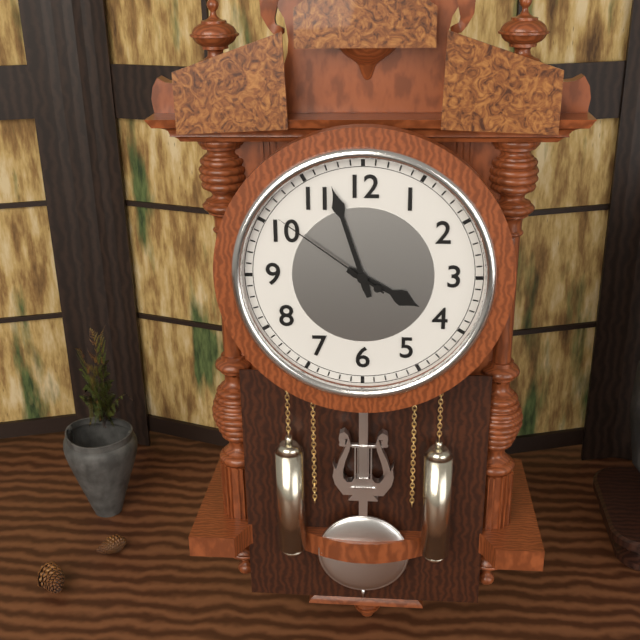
3:57:51
